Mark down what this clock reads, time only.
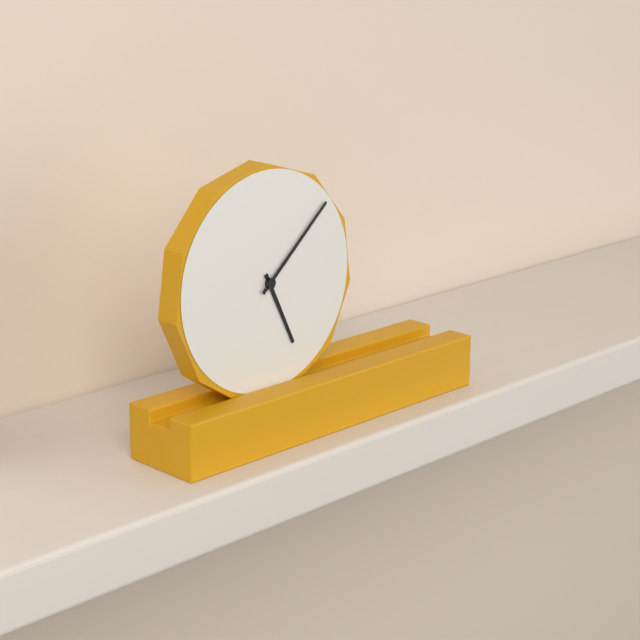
5:08
